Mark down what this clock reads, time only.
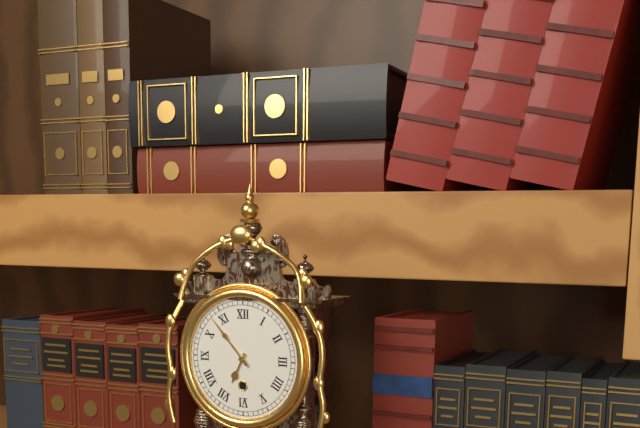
6:53
